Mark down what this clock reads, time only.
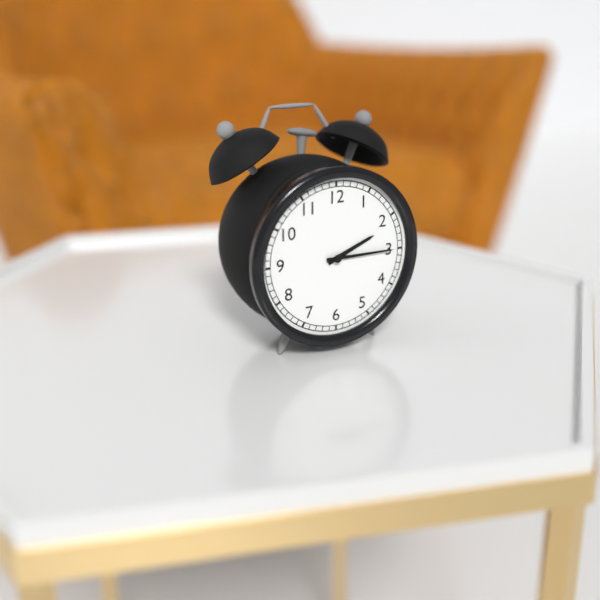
2:15
